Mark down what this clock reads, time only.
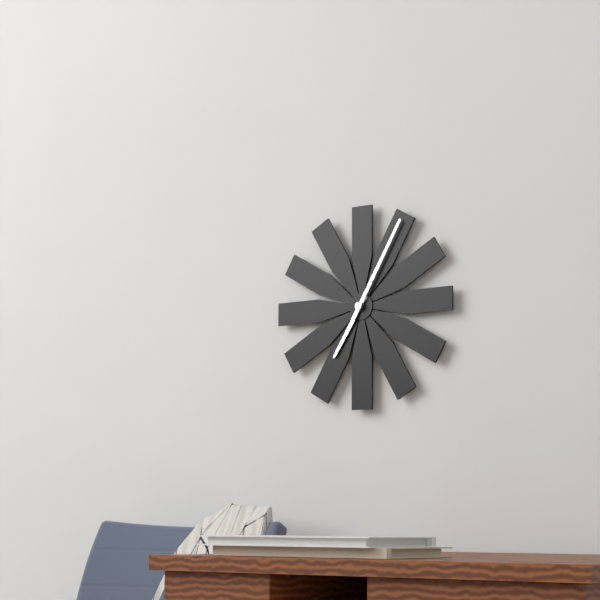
7:05
